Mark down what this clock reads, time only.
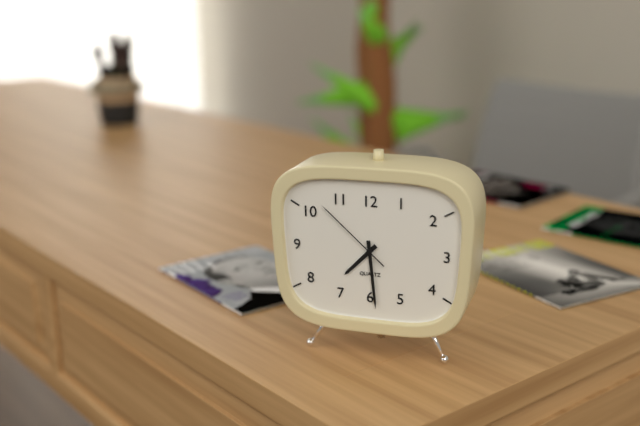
7:29:52
